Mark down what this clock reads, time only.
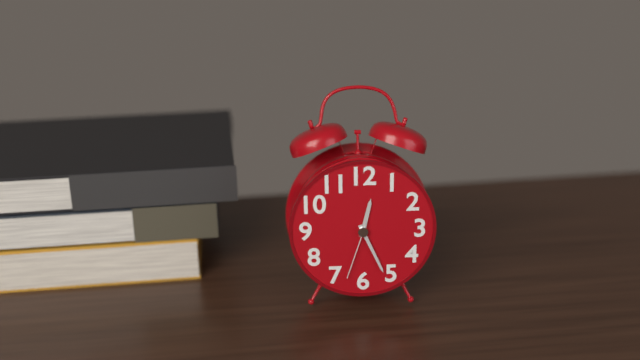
12:26:33
